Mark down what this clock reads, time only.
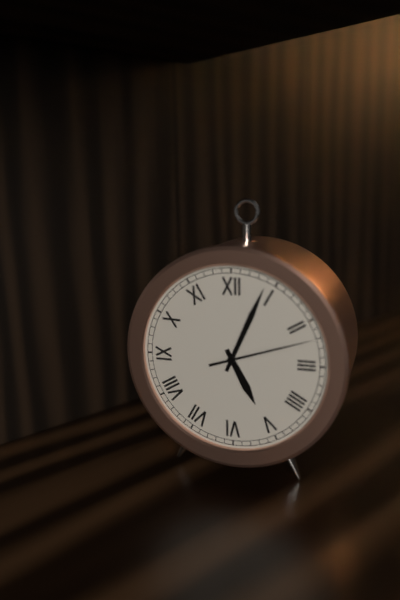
5:04:12
